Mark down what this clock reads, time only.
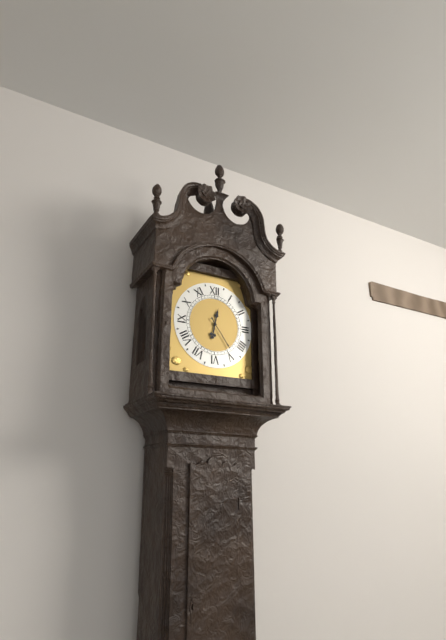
12:24
